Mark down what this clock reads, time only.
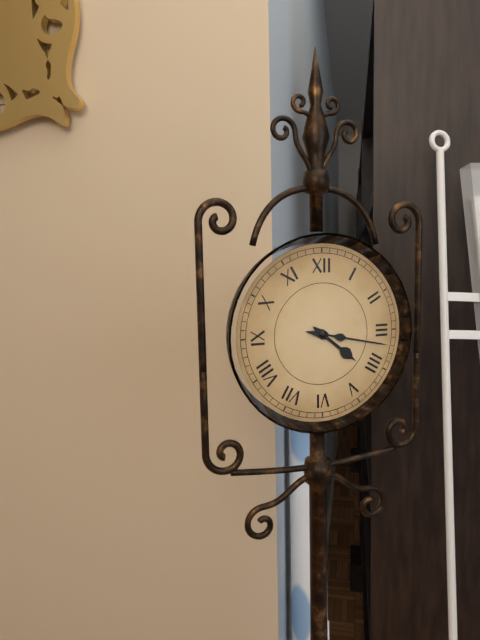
4:17
